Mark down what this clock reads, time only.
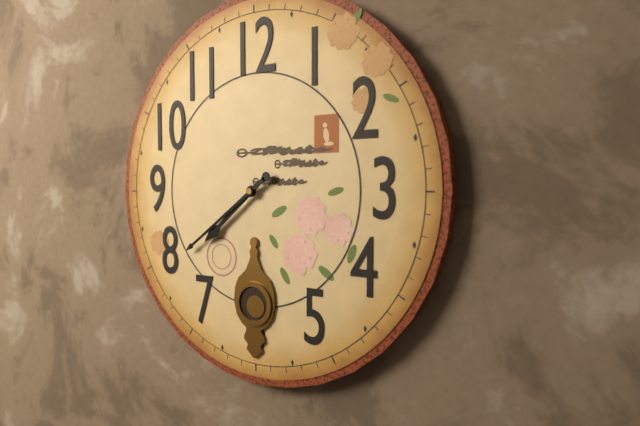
7:39
